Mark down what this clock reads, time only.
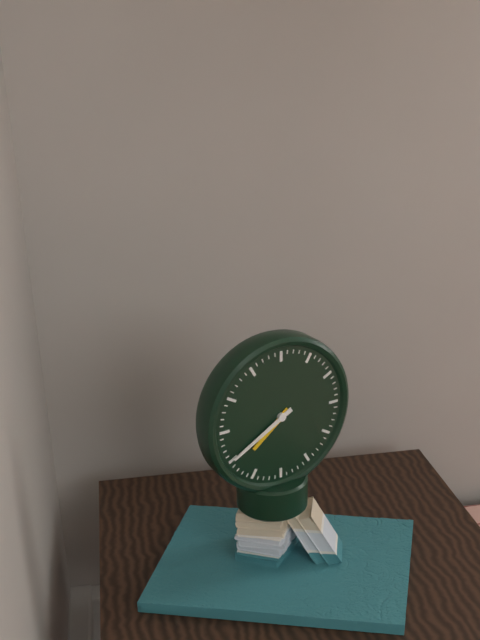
7:40
